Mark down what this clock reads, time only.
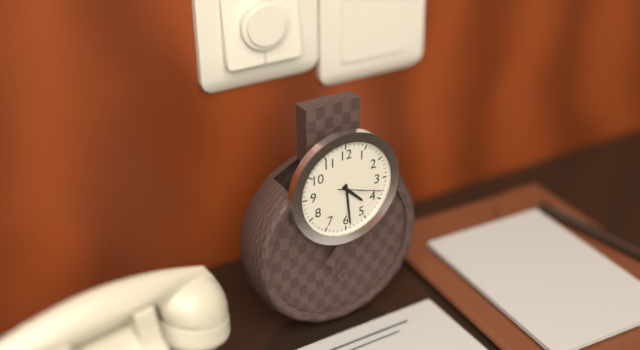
4:29
